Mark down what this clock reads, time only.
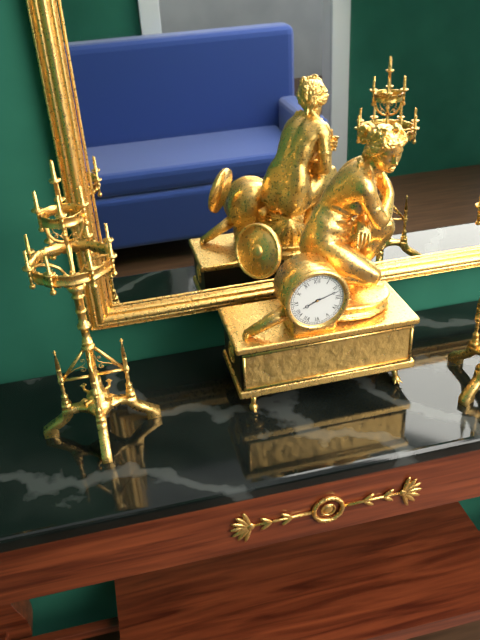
8:12
